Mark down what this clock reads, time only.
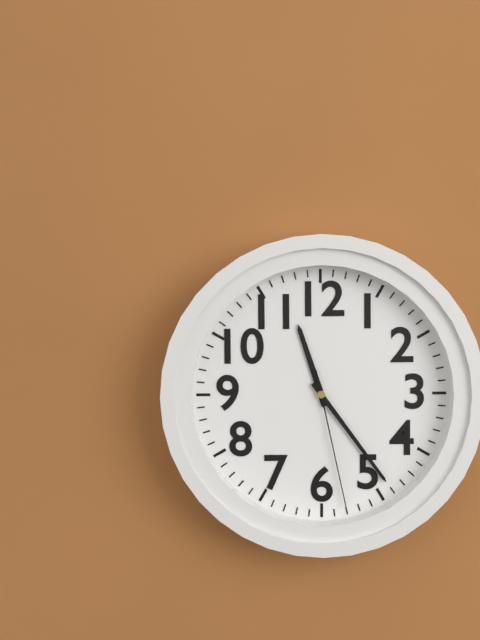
11:24:28
